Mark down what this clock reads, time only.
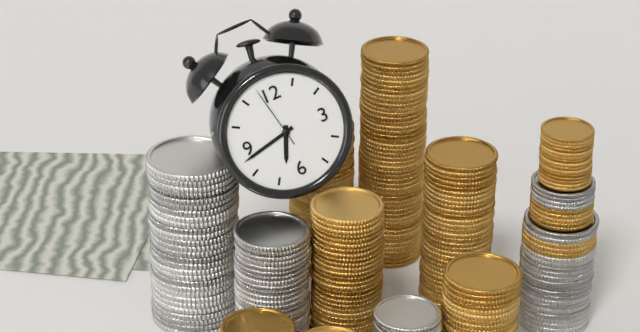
6:43:58
